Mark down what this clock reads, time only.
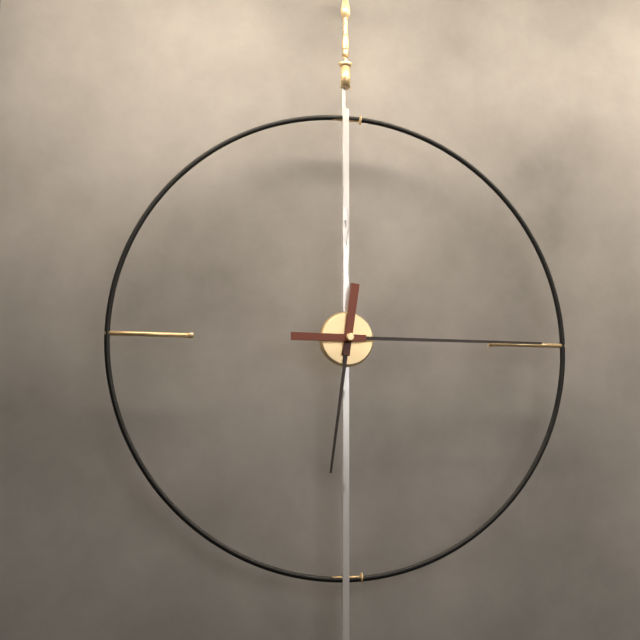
6:15
